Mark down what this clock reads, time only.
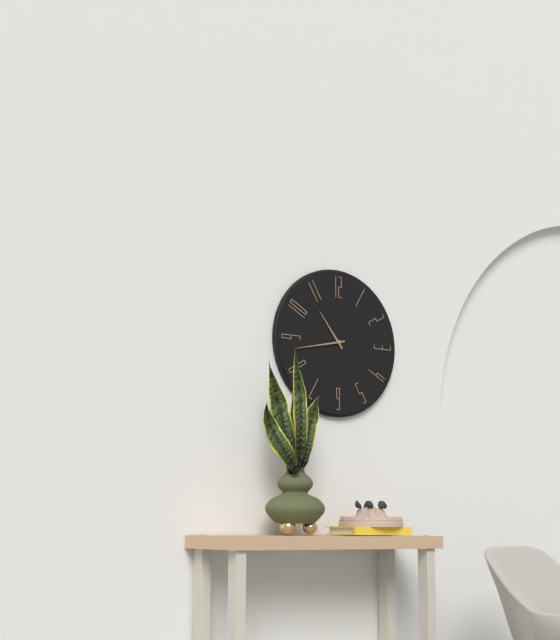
10:43
